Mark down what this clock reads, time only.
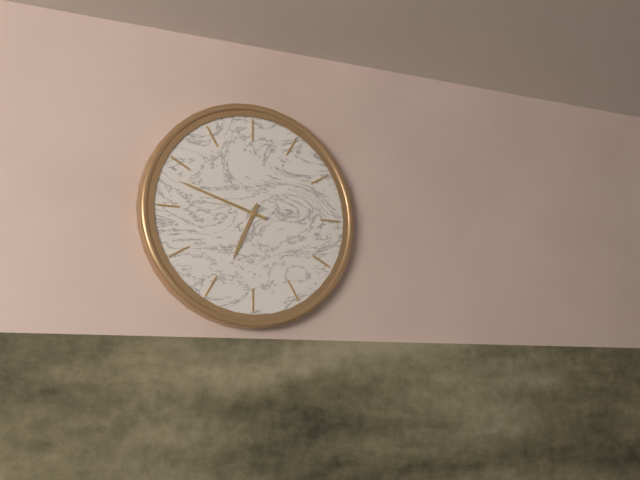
6:48
